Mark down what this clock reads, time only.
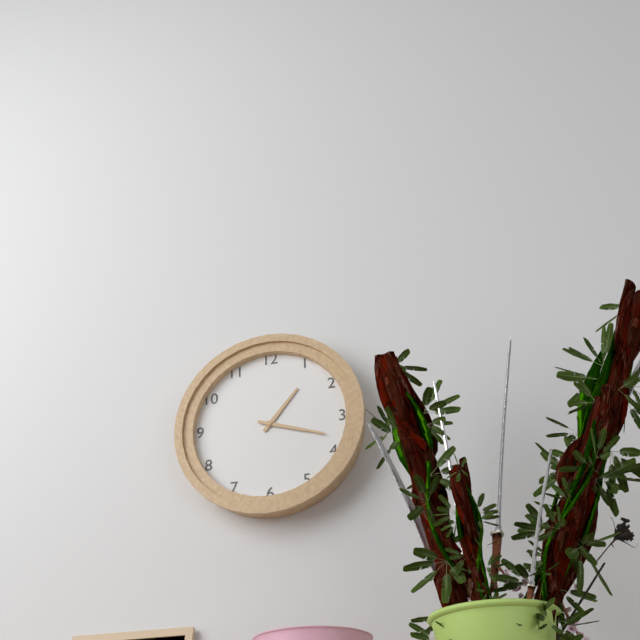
1:18
